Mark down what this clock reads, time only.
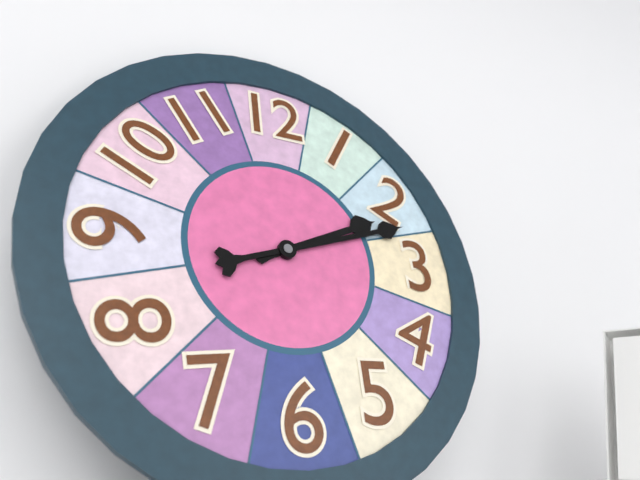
2:12
